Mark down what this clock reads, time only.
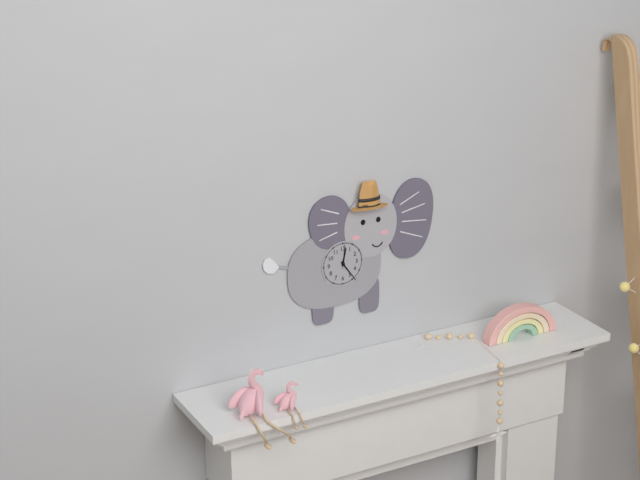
12:24
